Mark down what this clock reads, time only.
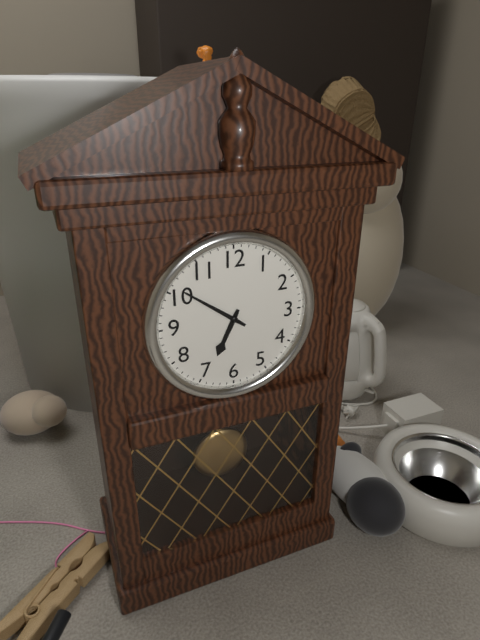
6:51
